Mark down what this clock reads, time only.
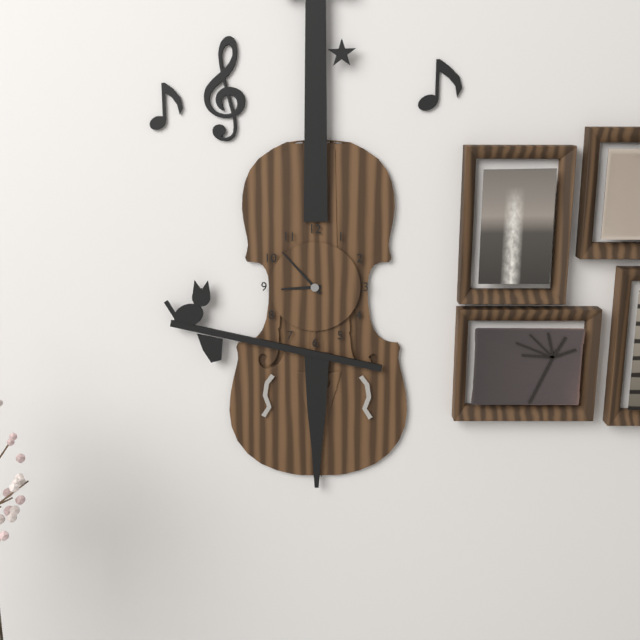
8:53
